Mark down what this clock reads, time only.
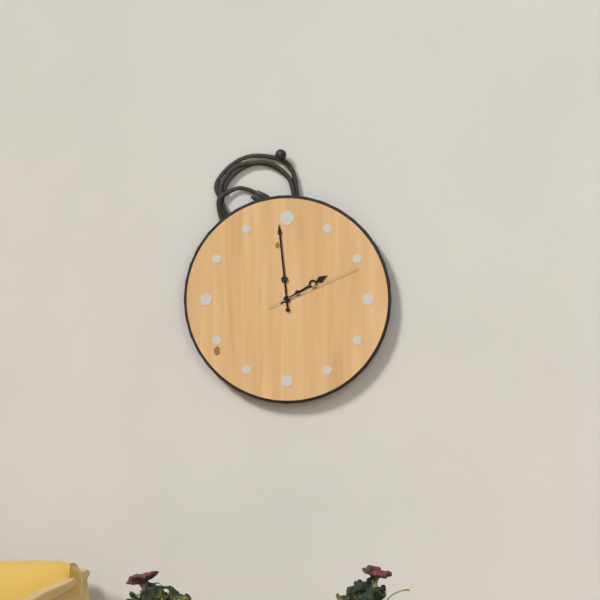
1:59:11
